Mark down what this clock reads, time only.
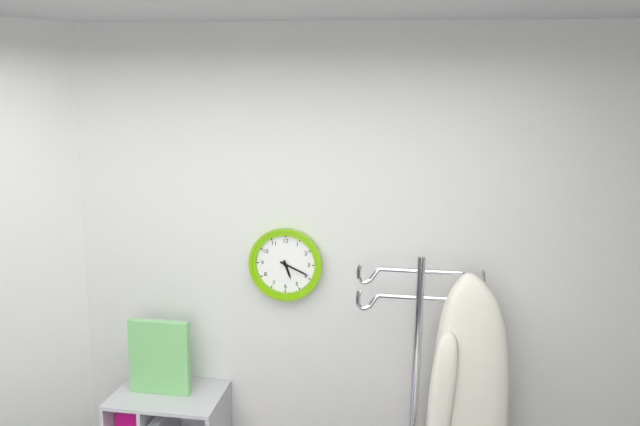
5:19
